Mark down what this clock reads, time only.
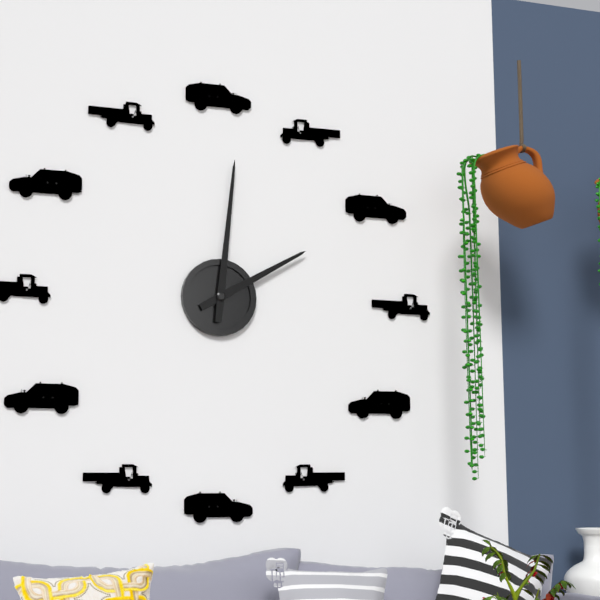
2:01
